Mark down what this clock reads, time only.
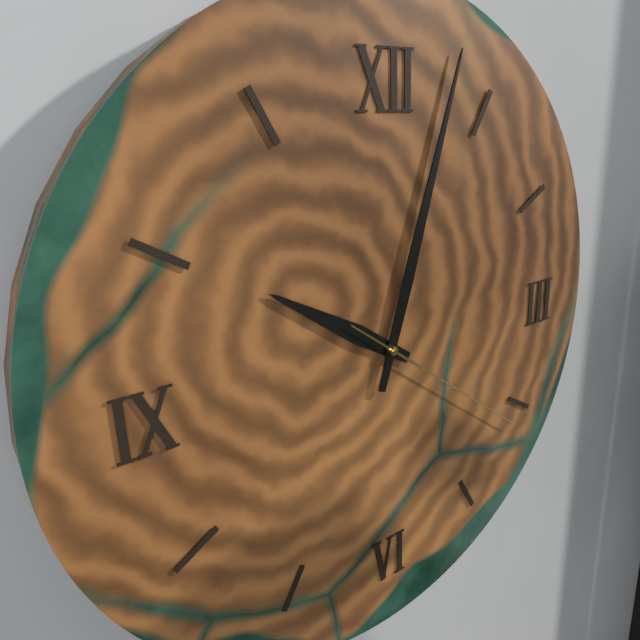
10:03:21
